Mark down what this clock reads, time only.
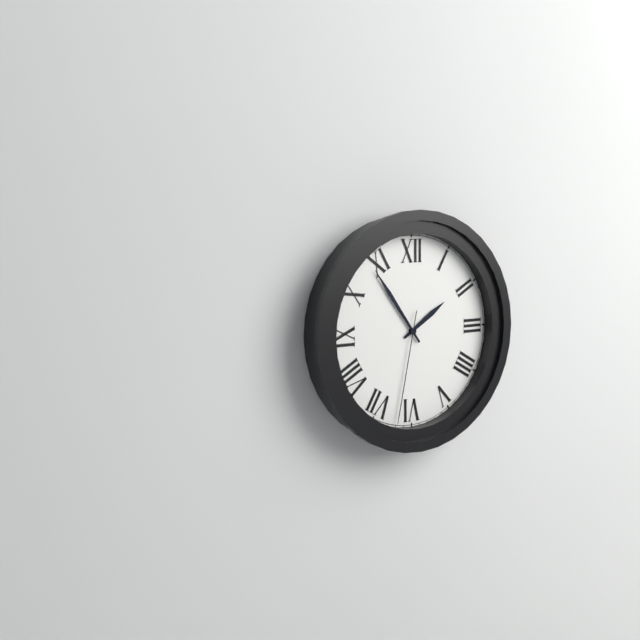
1:54:32
